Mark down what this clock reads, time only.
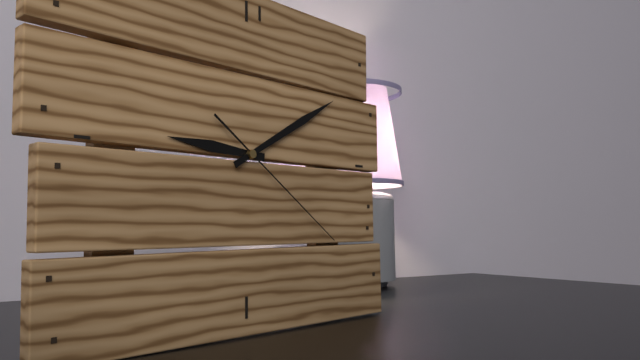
9:10:21
